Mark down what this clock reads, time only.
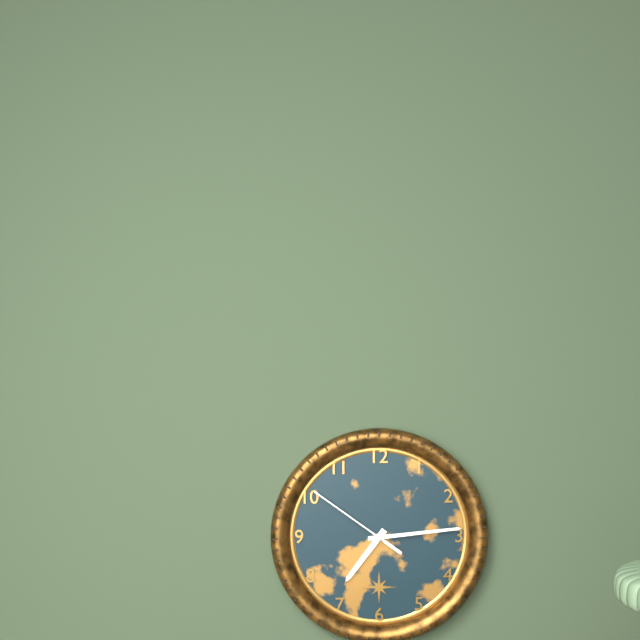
7:14:51
